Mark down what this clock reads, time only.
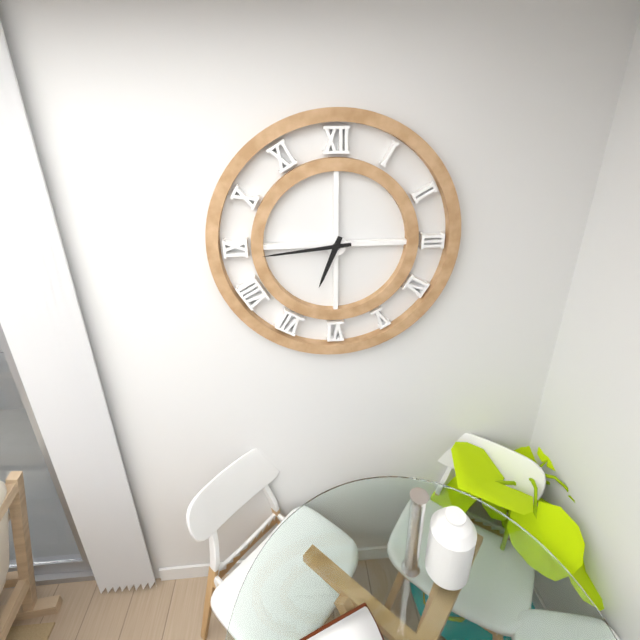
6:44
